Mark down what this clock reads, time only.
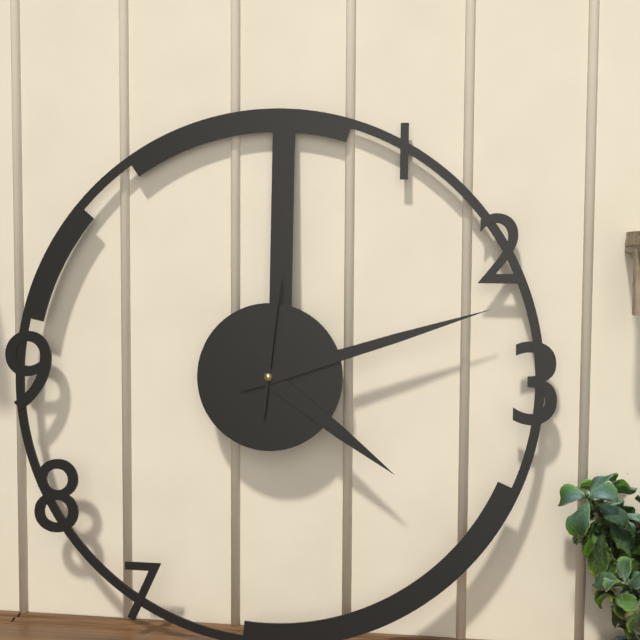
4:12:01
